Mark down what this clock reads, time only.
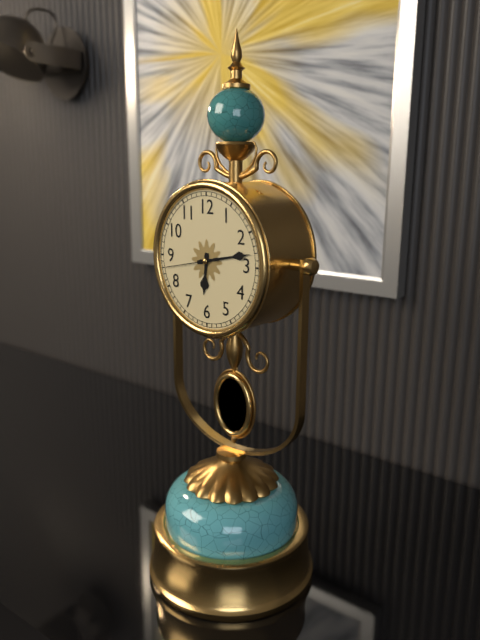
6:13:43
